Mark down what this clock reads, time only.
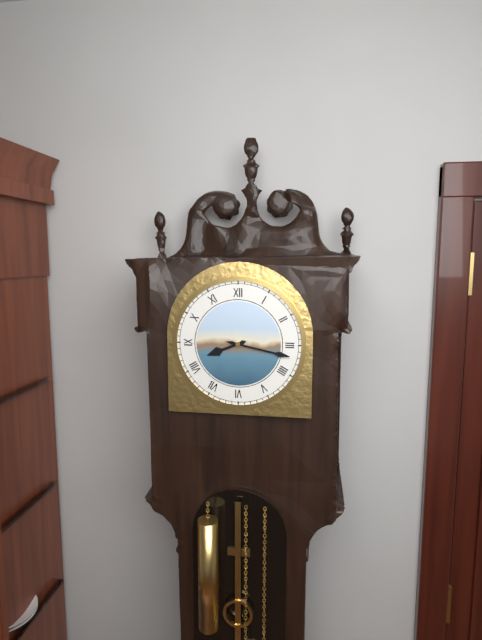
8:17
